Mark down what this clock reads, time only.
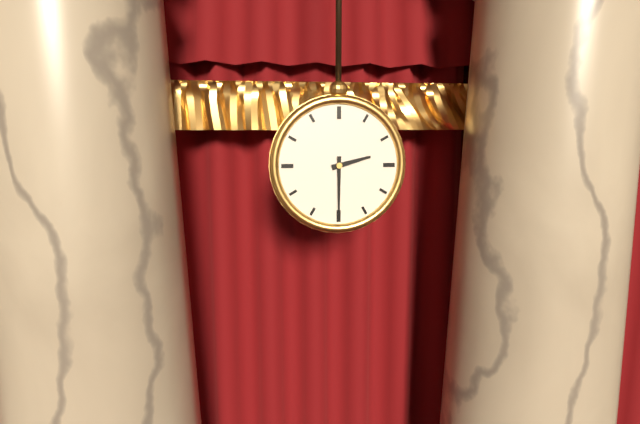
2:30
